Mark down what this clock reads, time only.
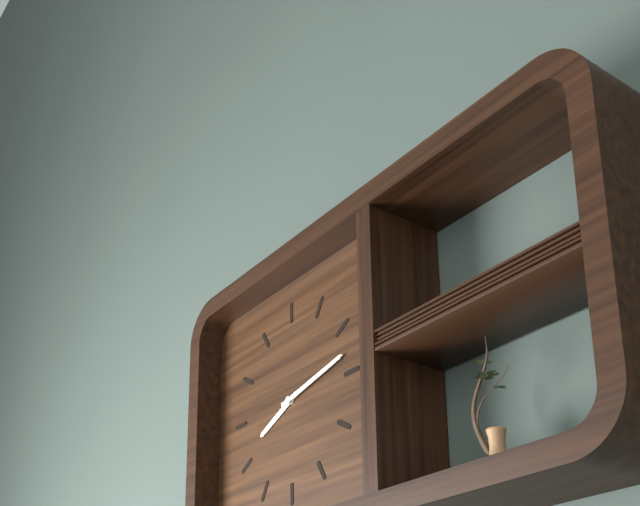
8:13
